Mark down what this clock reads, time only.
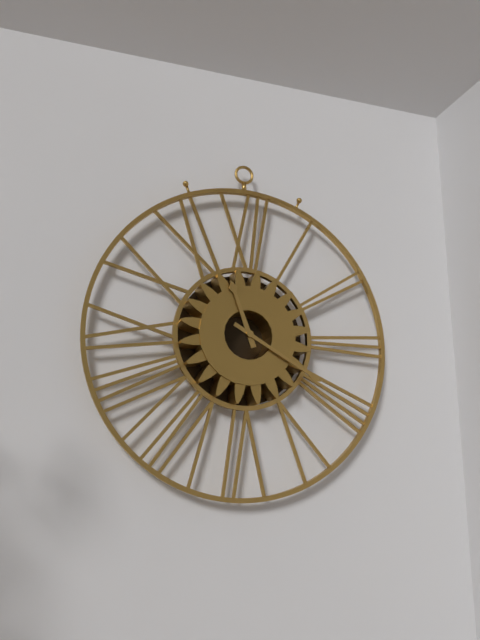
11:20
